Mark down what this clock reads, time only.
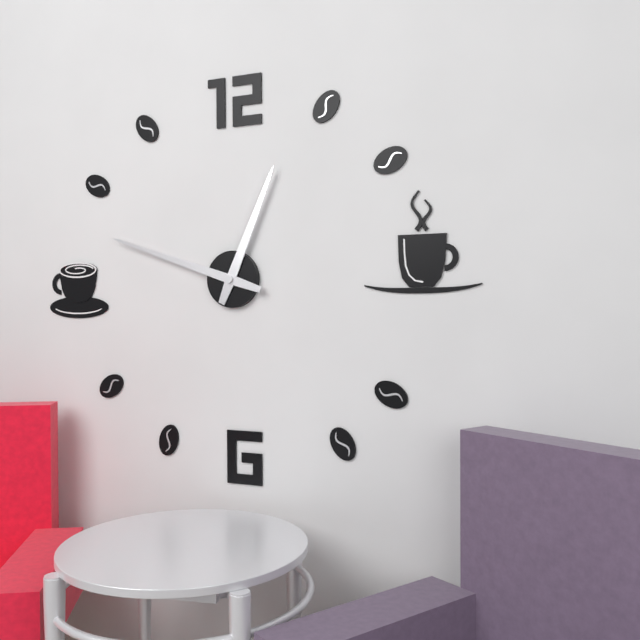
12:48
